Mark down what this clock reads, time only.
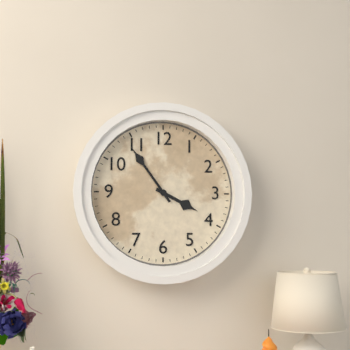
3:54
